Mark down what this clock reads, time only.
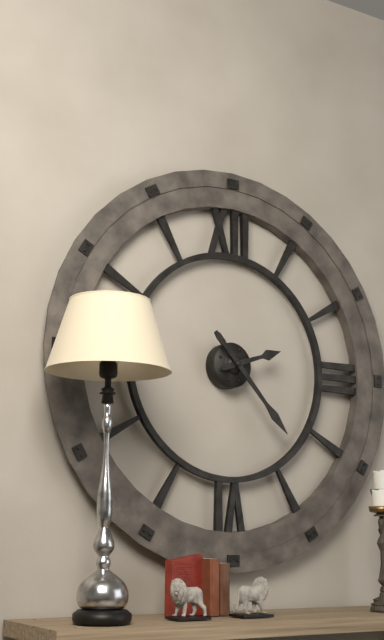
2:23
